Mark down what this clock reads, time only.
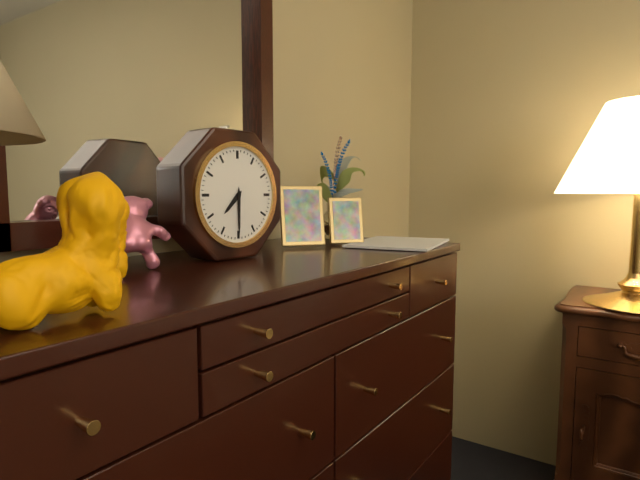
7:30
